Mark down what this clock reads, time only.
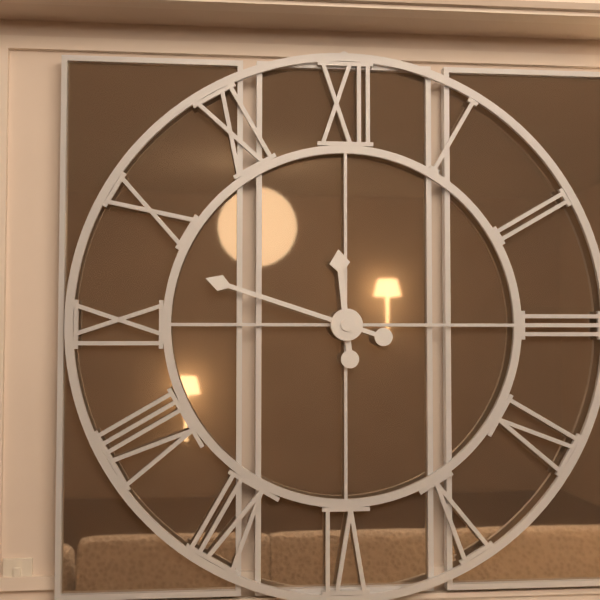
11:48
